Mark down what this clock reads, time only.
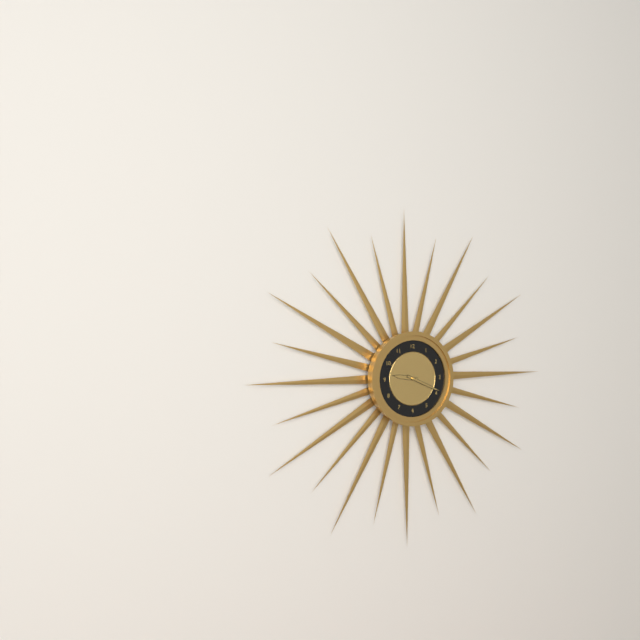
9:19
